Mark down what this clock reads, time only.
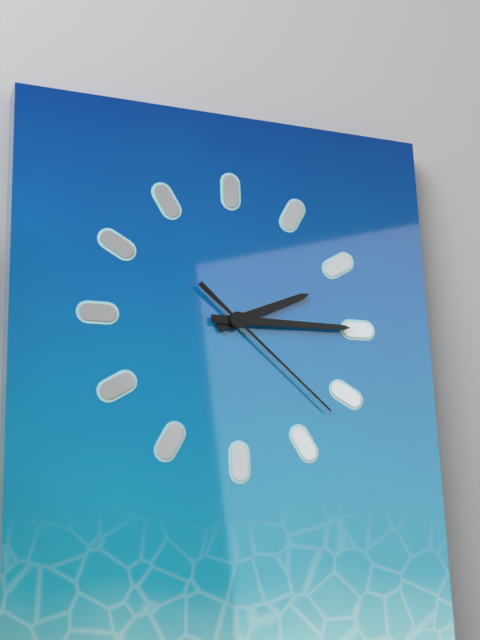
2:15:22
